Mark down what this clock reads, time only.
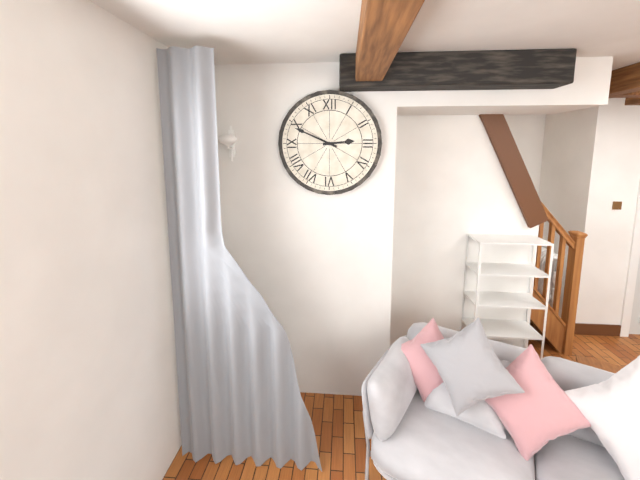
2:49
